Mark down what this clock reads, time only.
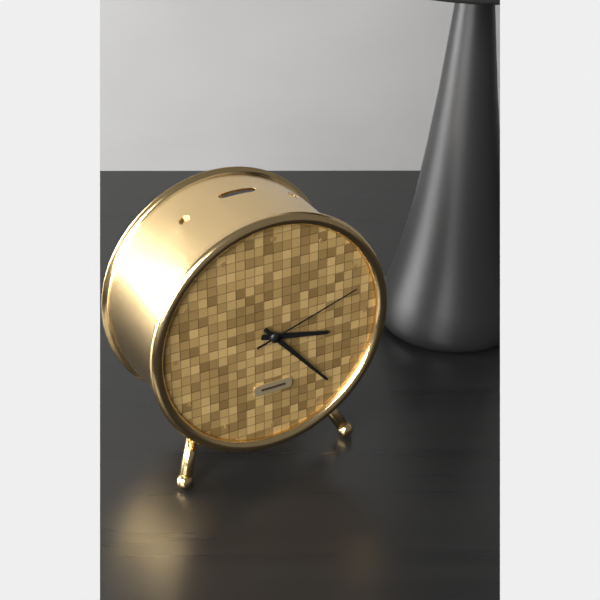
3:23:12
